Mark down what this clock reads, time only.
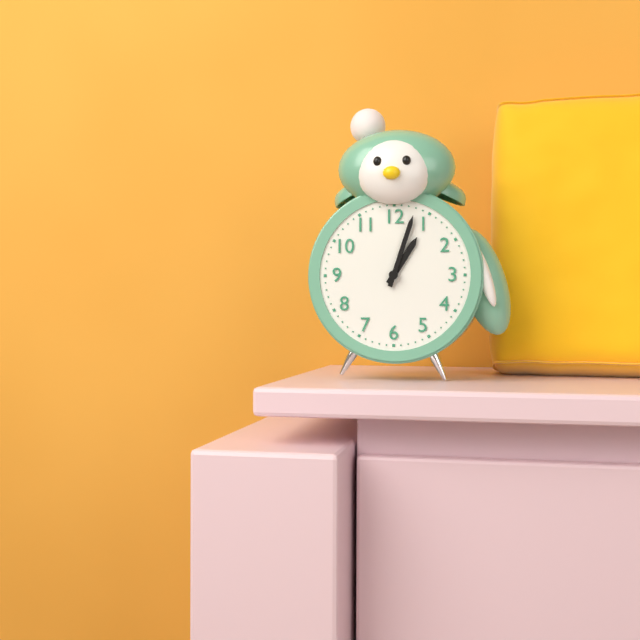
1:03
